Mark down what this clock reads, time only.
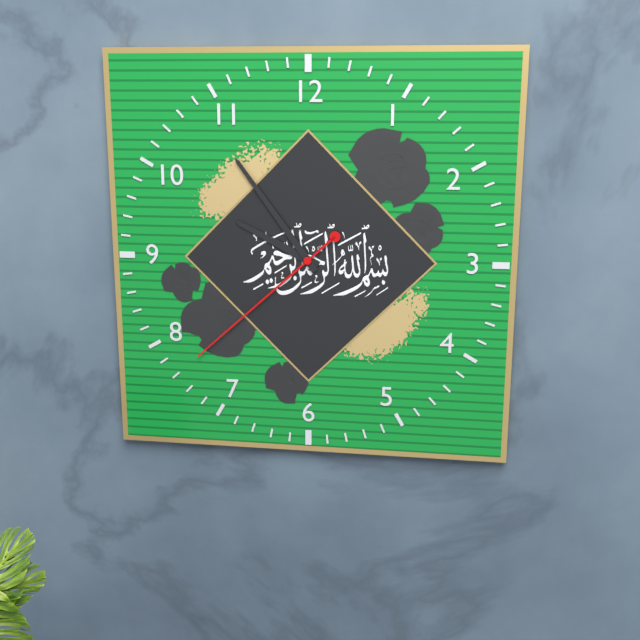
9:54:38
